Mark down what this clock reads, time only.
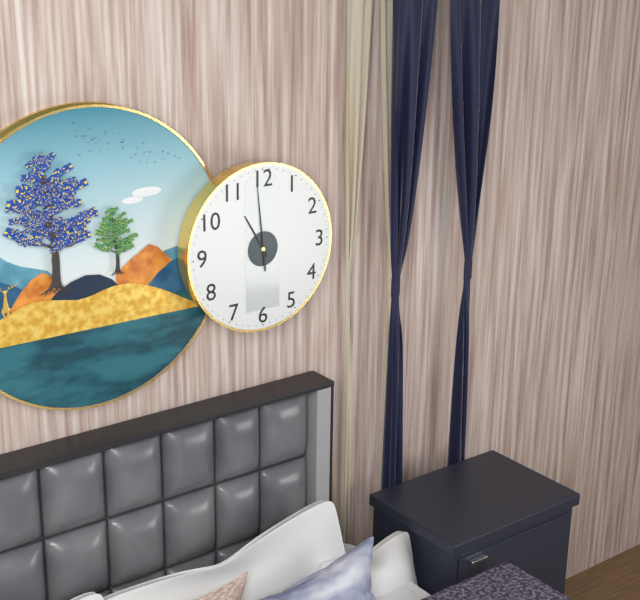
10:59
